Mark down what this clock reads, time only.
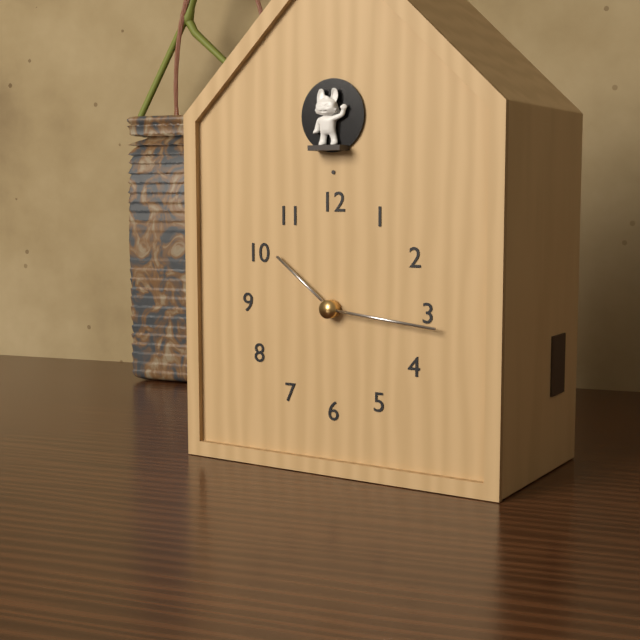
10:16
